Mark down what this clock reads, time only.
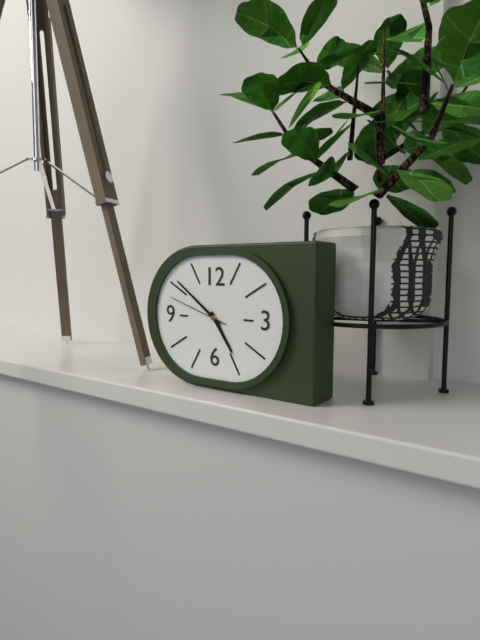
4:51:48
